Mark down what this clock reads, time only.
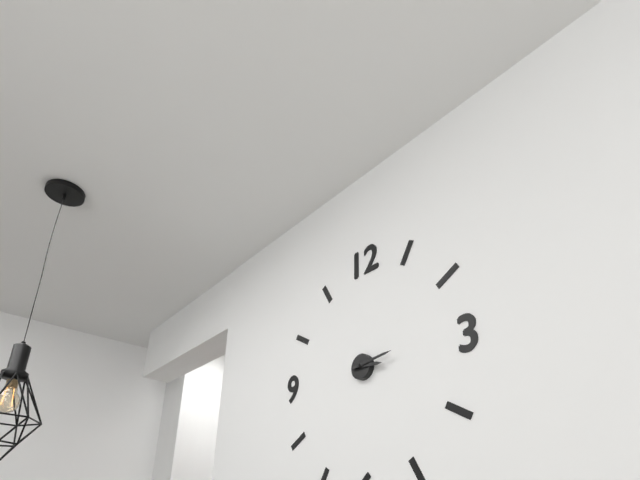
3:14
